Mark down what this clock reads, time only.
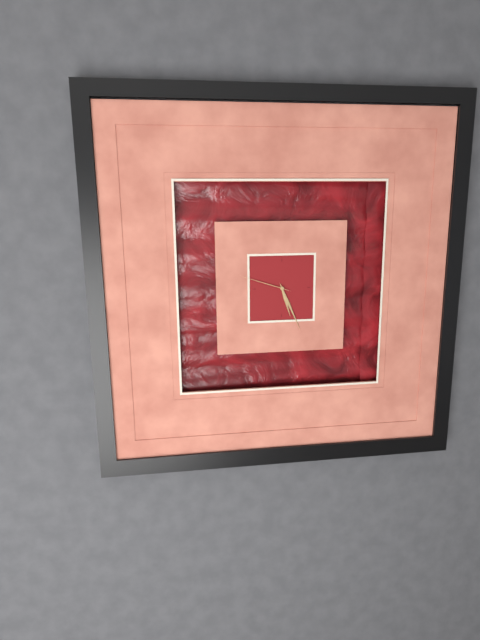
5:26:48
